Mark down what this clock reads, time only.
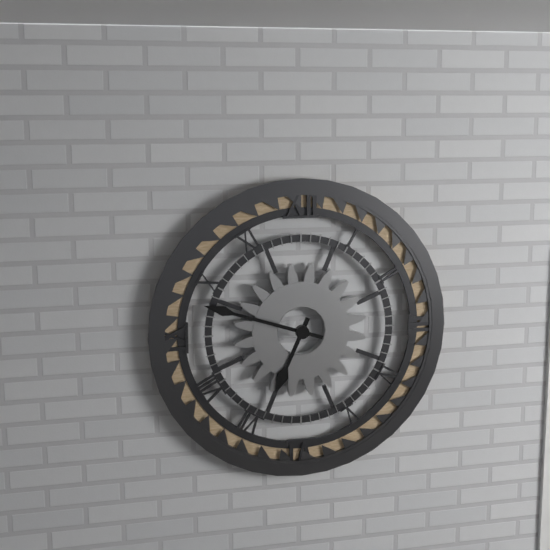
6:48
